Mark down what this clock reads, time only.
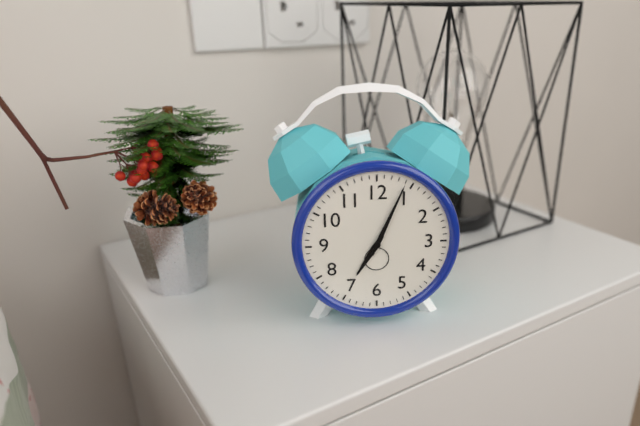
7:04
